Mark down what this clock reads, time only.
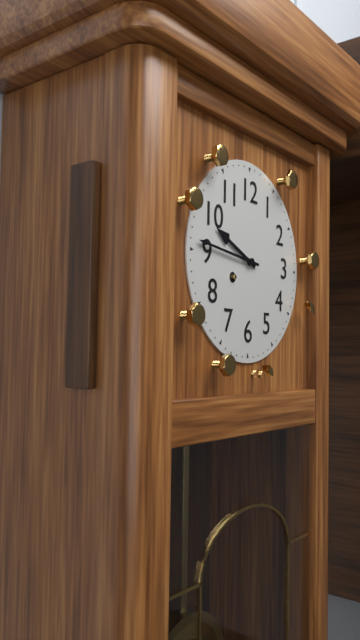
9:46
